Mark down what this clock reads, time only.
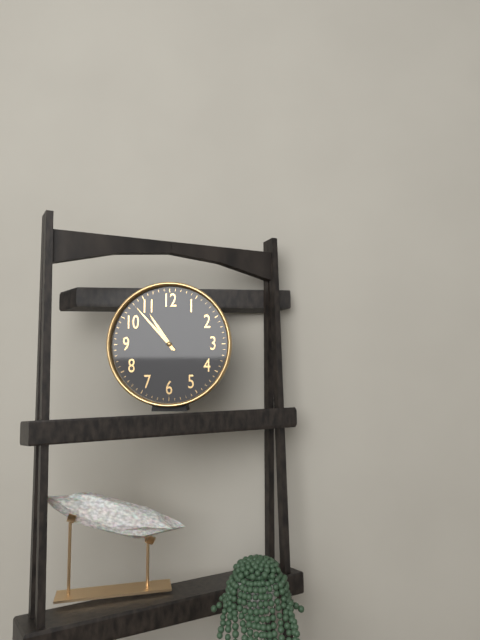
10:53
